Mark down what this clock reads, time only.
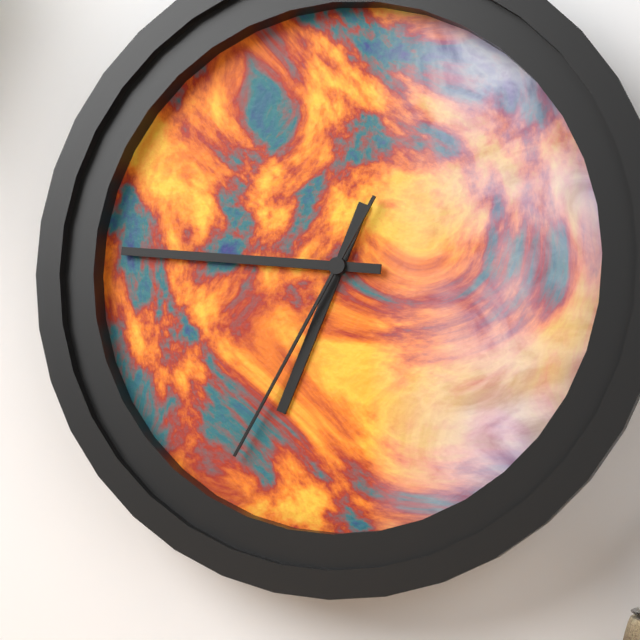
6:46:35
